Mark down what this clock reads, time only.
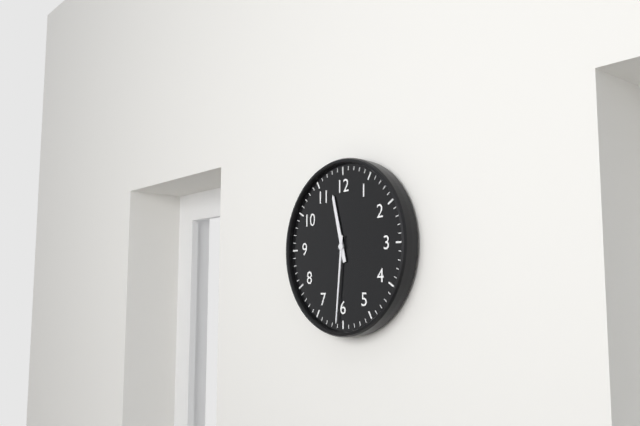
11:31
